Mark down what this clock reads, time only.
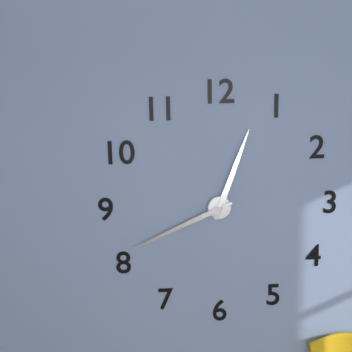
12:41
